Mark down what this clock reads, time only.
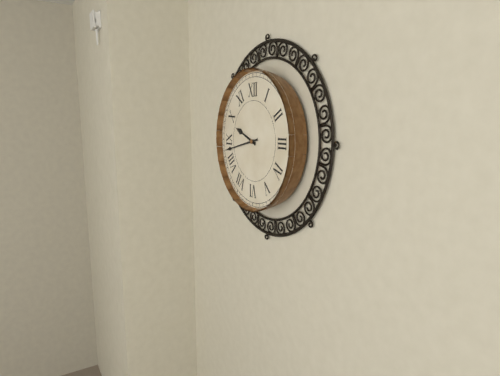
9:43
